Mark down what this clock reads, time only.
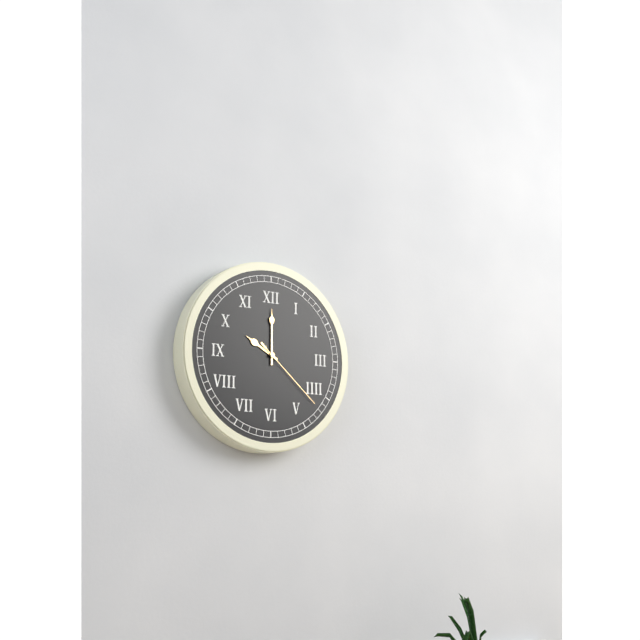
10:00:22
